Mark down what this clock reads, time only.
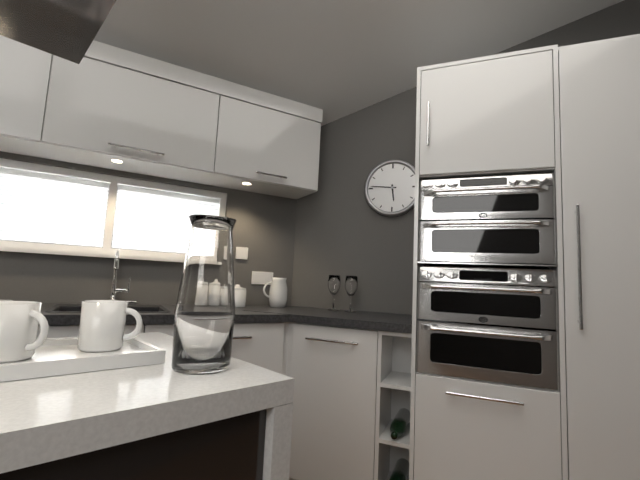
5:46
